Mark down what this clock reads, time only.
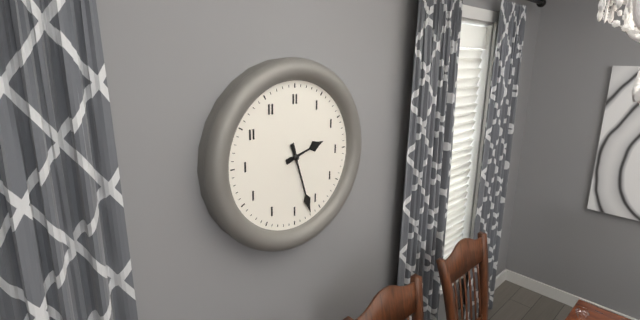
2:27
